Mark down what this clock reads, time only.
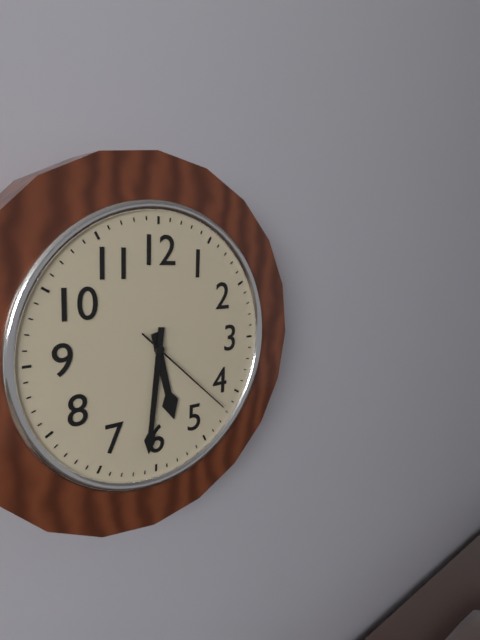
5:31:22
